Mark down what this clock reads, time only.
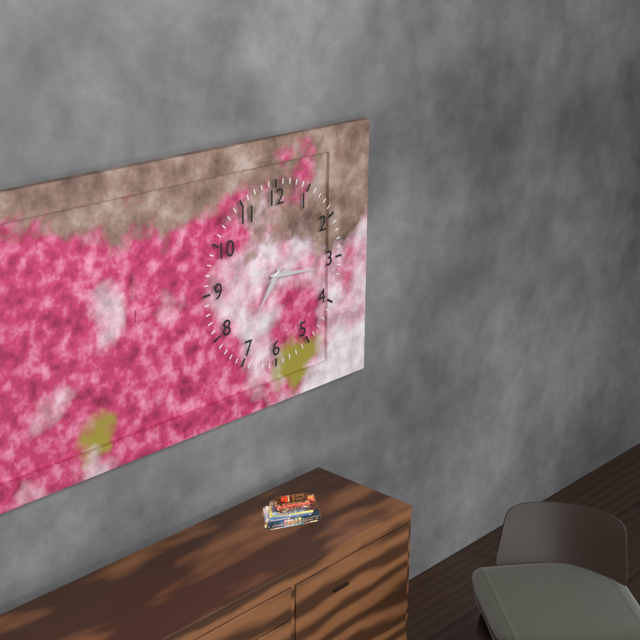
7:16:12
